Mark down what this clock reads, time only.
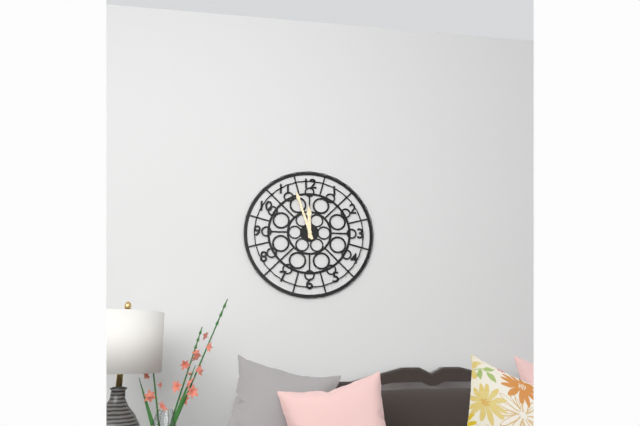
11:57
